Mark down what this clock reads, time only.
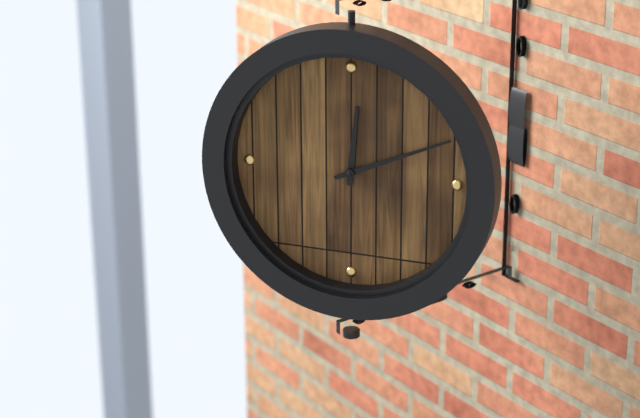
12:11
